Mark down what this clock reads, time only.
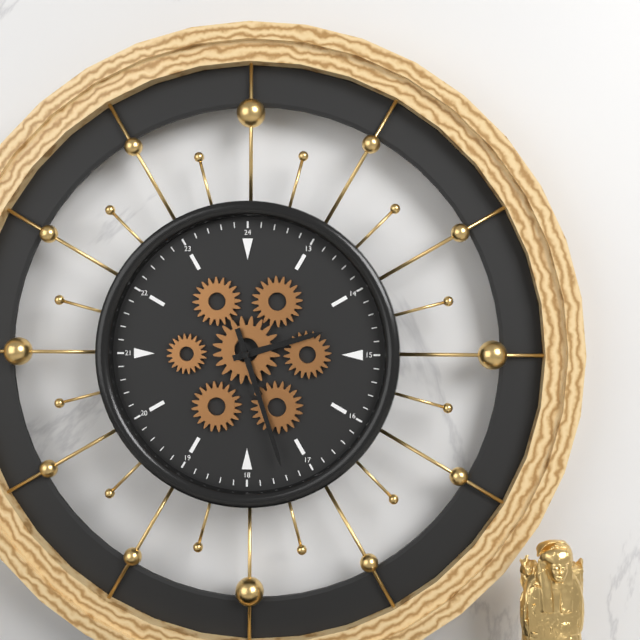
2:27
